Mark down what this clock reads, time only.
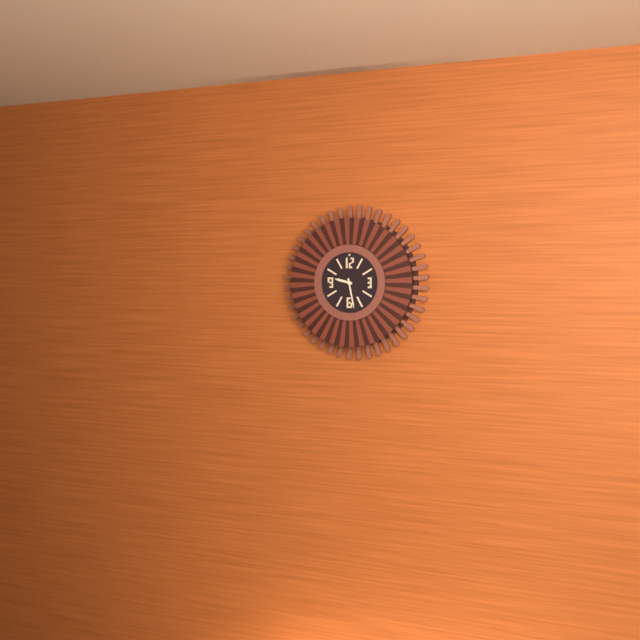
9:28
